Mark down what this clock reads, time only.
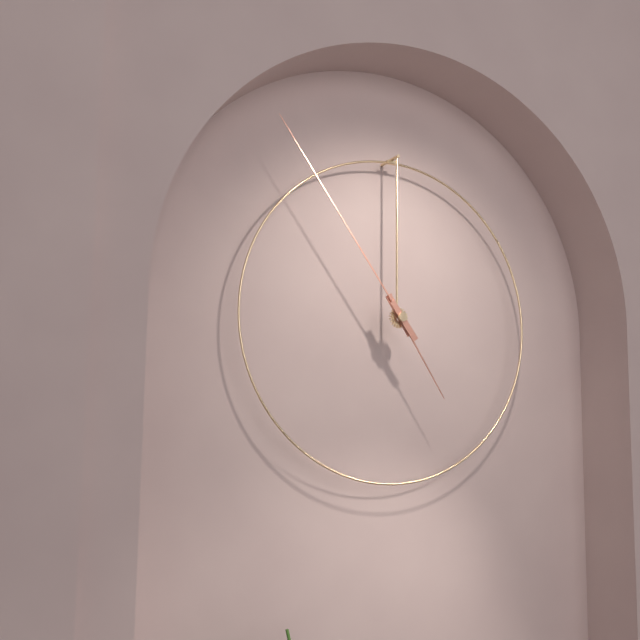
4:54
